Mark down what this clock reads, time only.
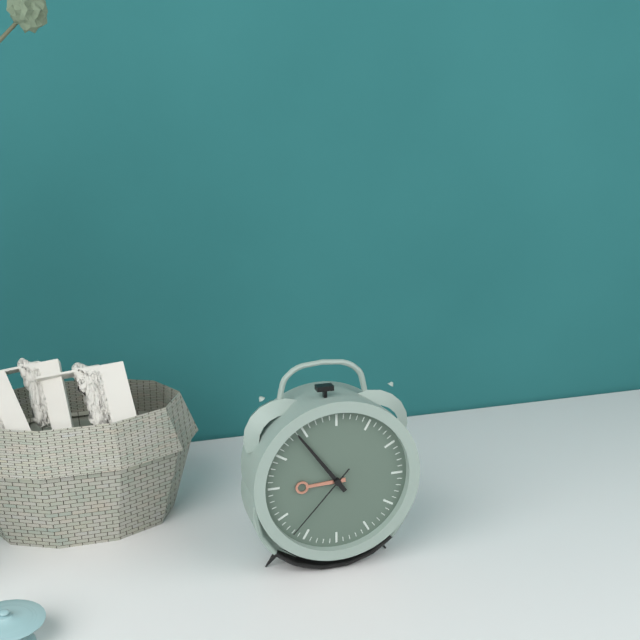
8:54:37
